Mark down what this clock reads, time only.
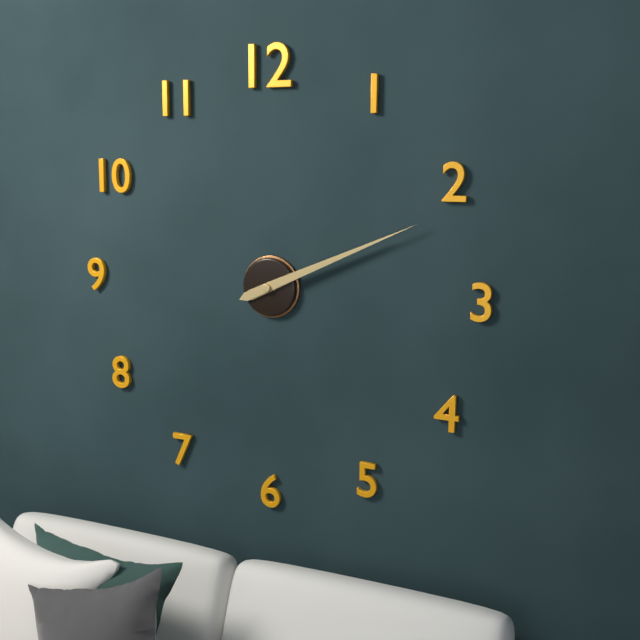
2:11
